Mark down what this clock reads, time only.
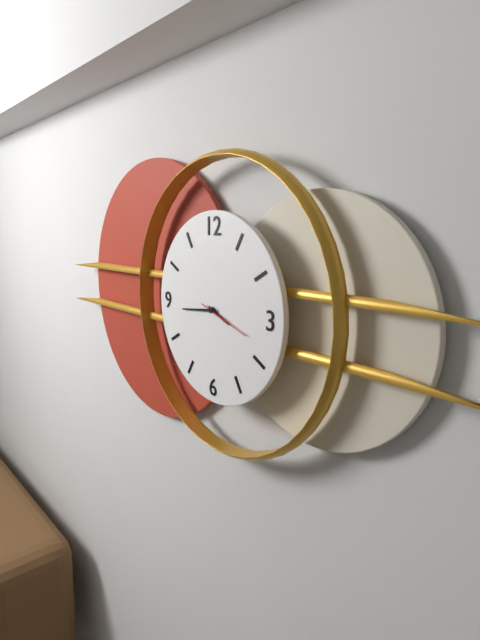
3:44:18
